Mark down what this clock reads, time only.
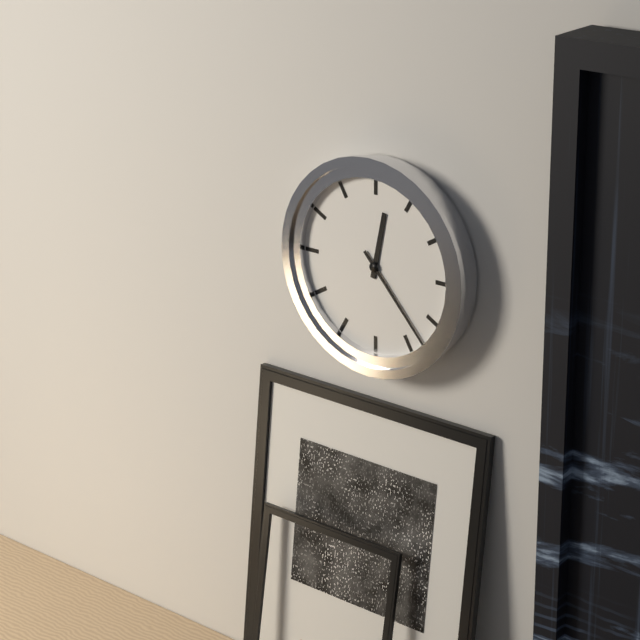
12:23
